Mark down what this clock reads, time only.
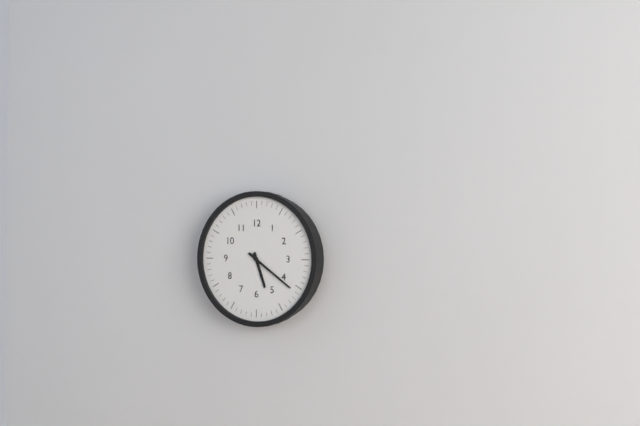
5:21
